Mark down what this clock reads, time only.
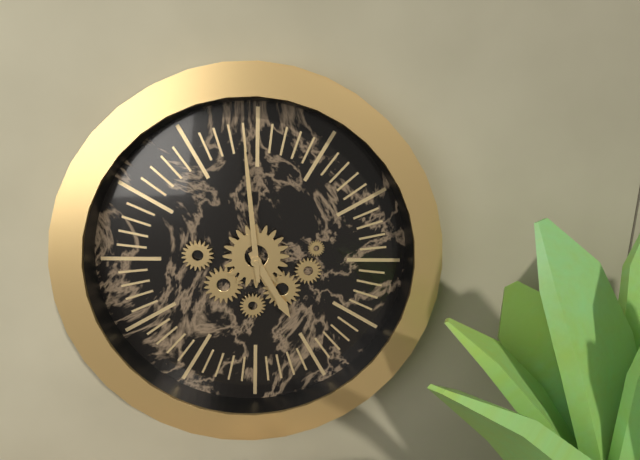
4:59
